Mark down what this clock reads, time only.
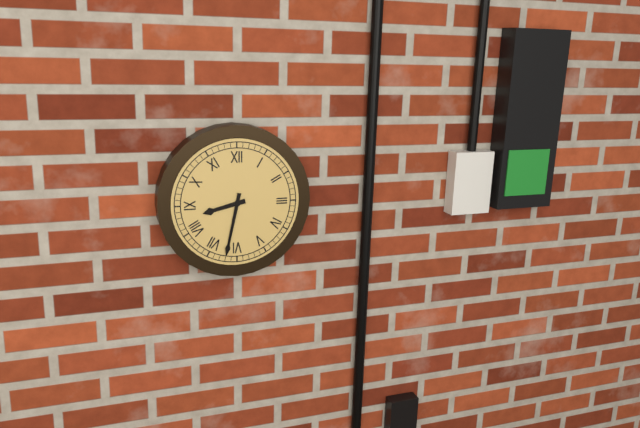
8:32
